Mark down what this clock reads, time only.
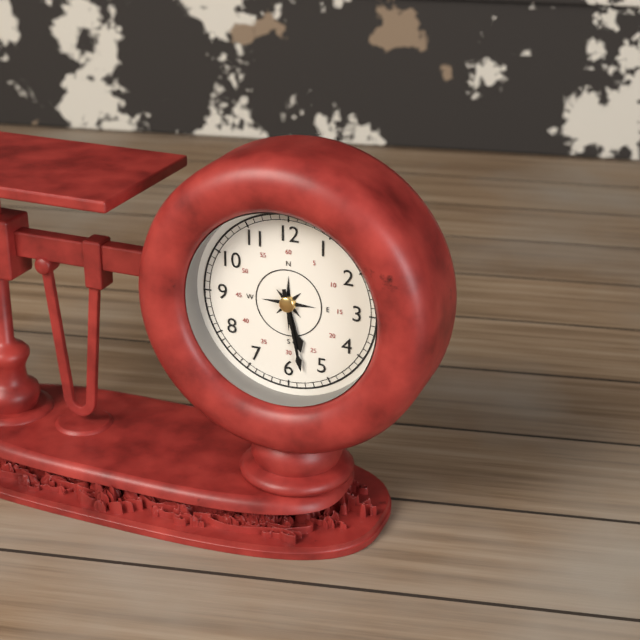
5:28
